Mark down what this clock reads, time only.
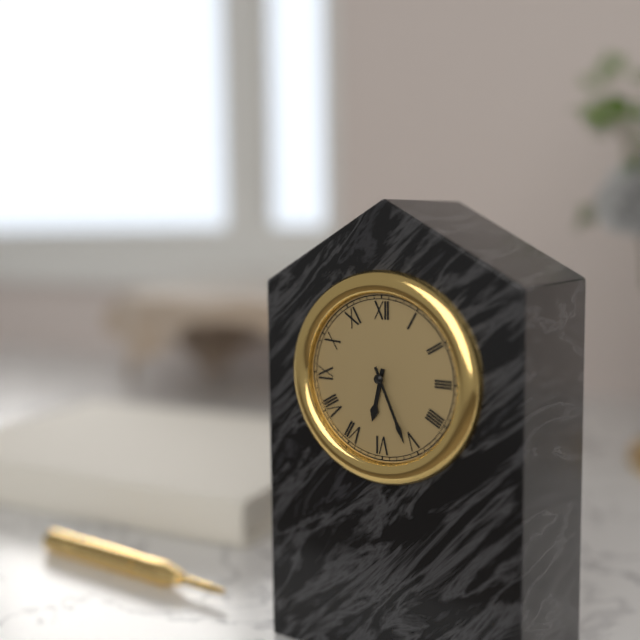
6:26
